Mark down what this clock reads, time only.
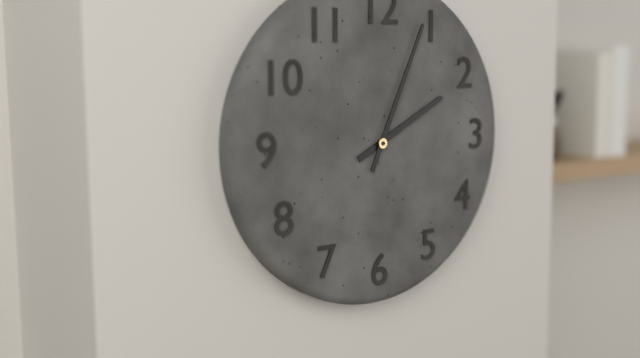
2:04
